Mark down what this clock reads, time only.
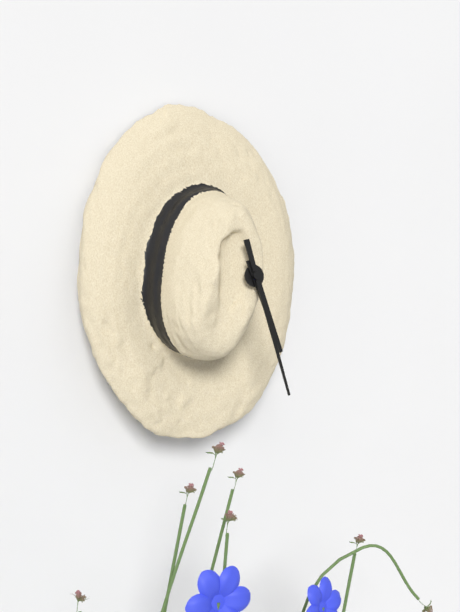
5:28
